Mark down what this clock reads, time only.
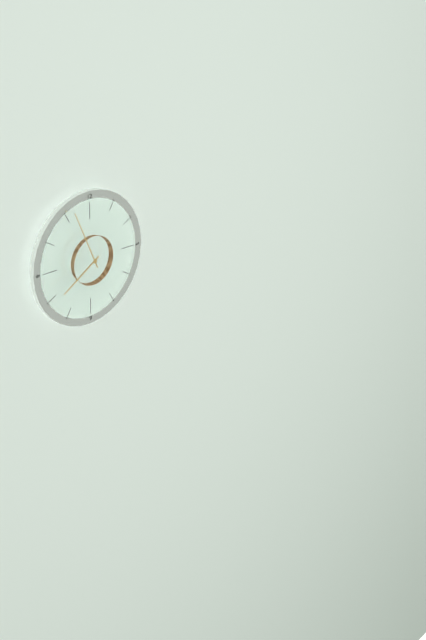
7:56
